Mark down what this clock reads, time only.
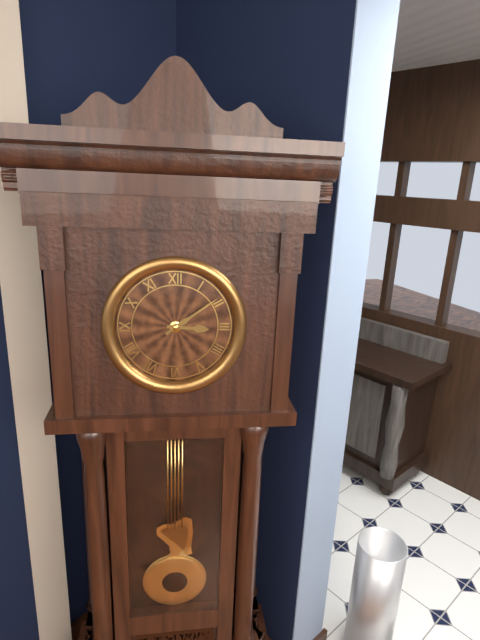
3:09
